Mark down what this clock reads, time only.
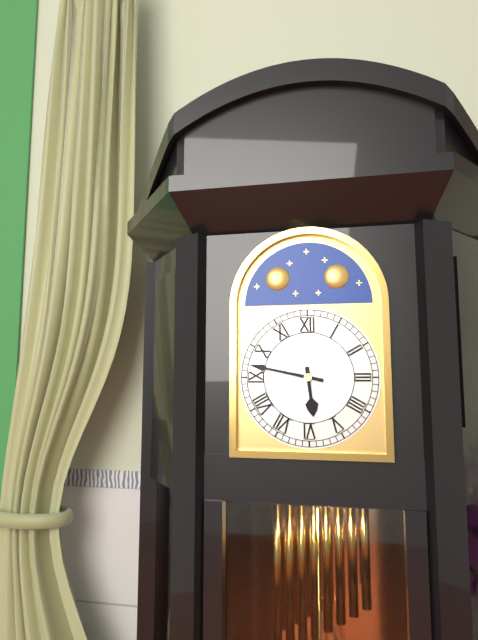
5:47
